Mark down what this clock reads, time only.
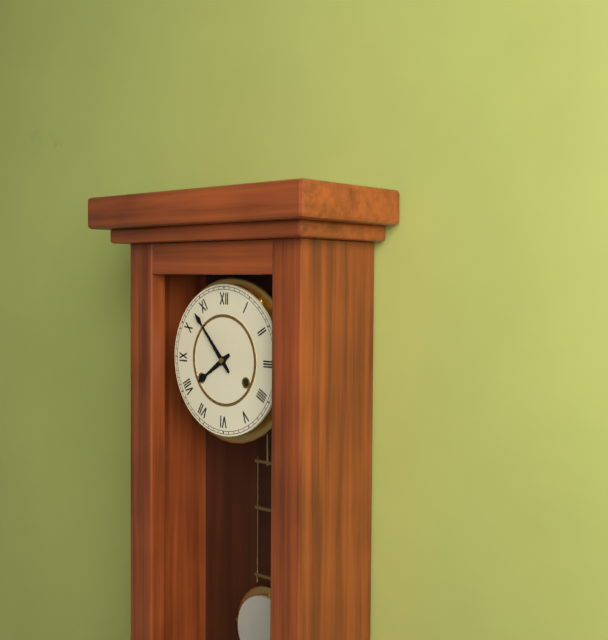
7:53
